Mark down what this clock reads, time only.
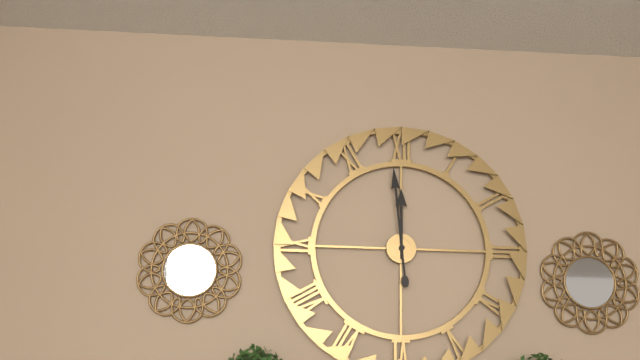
11:59
